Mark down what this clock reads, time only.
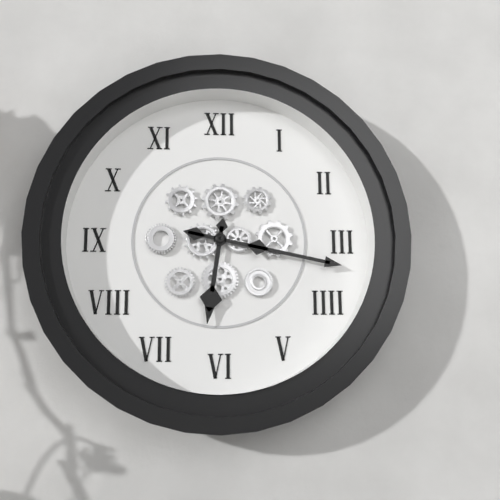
6:17
